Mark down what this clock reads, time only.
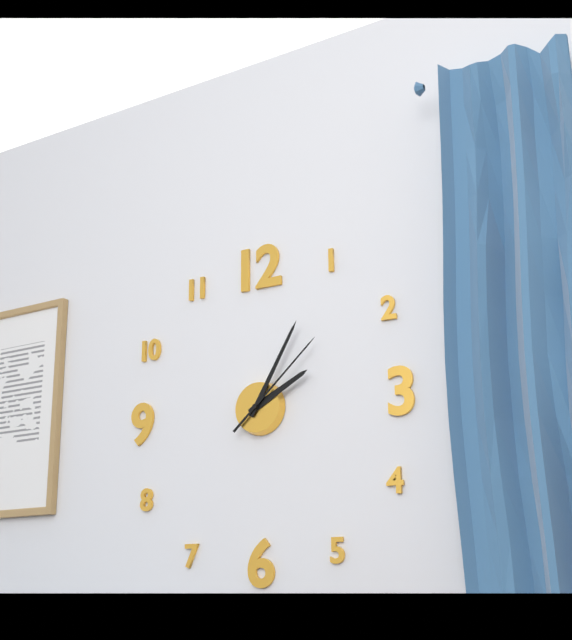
2:05:08
